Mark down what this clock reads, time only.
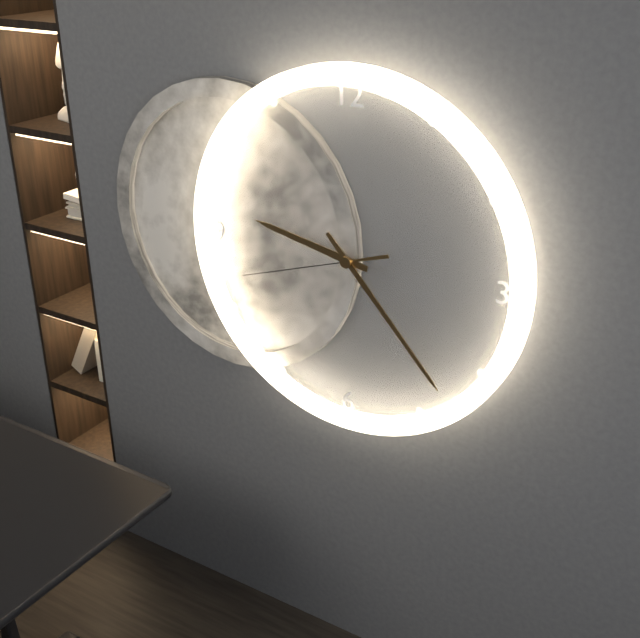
9:23:42
